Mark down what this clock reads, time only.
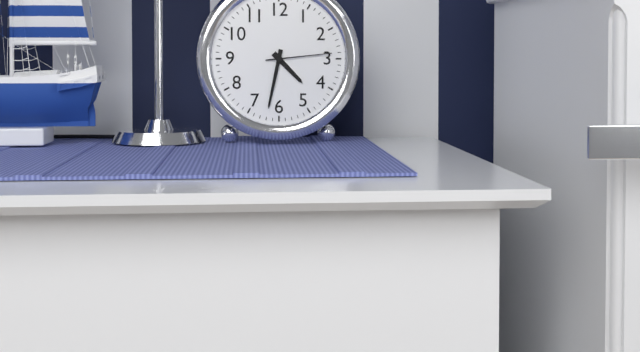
4:32:14
